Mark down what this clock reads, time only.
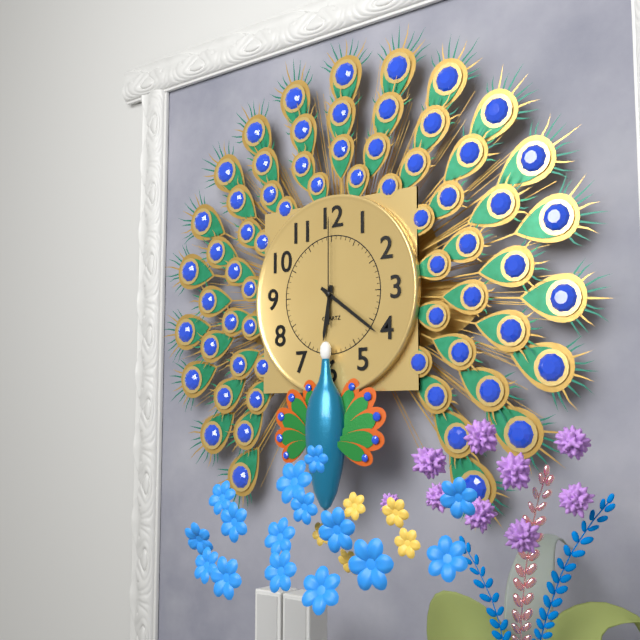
6:21:00
